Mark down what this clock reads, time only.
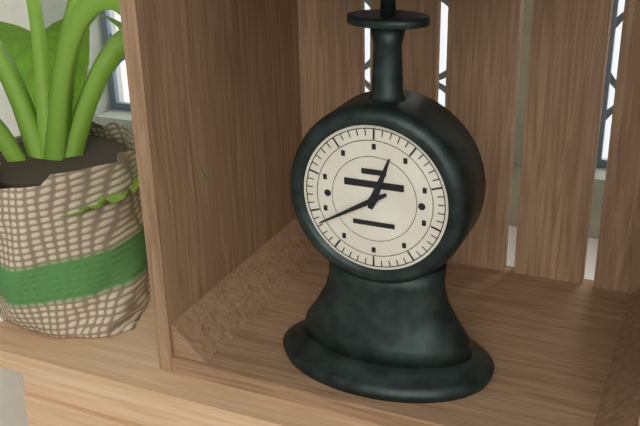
12:40
